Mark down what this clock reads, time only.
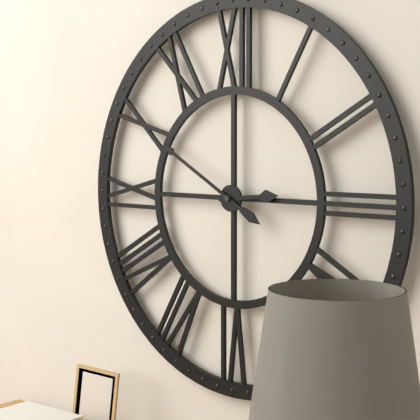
2:50
